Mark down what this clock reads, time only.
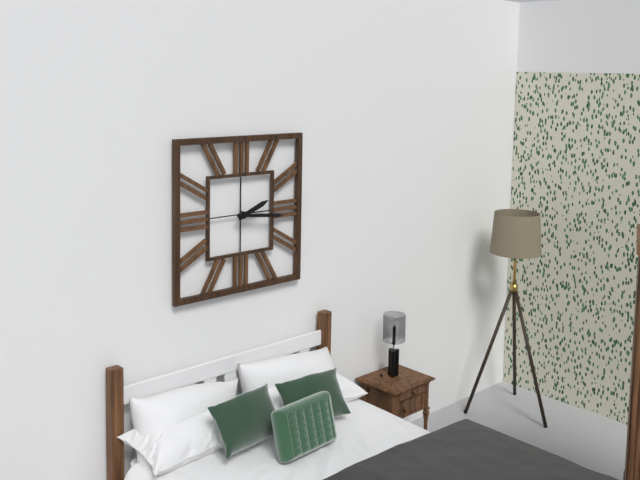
2:16
